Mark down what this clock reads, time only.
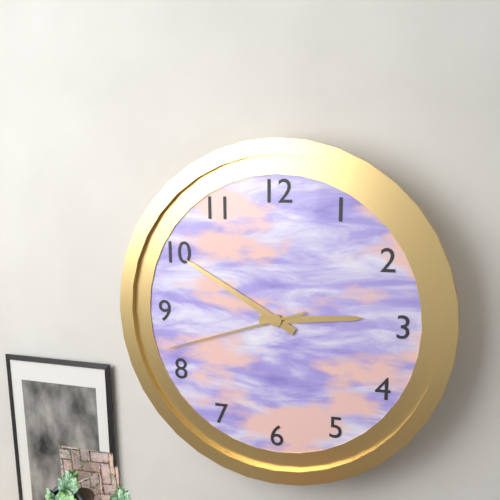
2:50:42
